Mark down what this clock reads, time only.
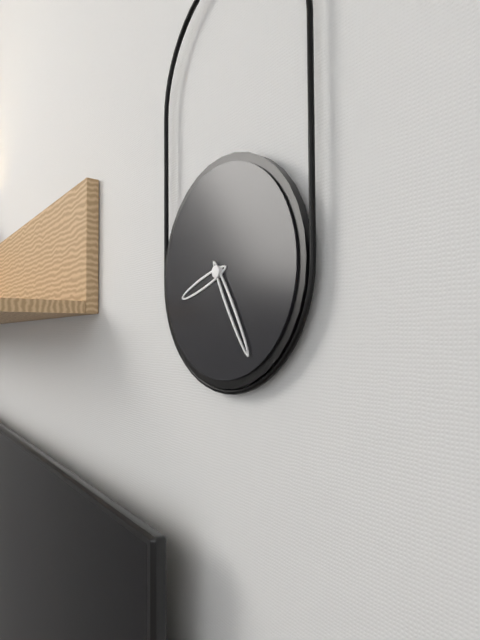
8:25
